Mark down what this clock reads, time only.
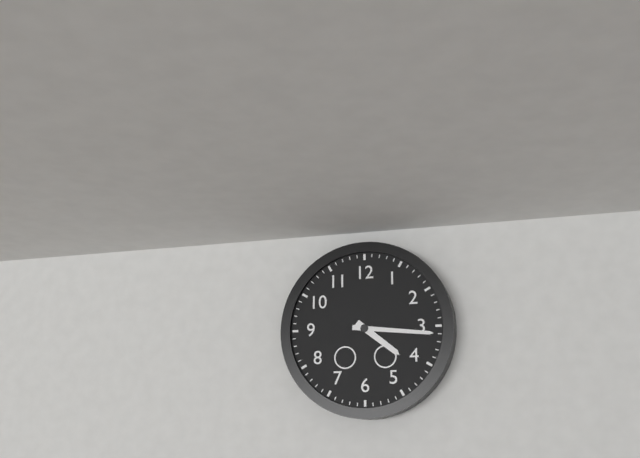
4:16
